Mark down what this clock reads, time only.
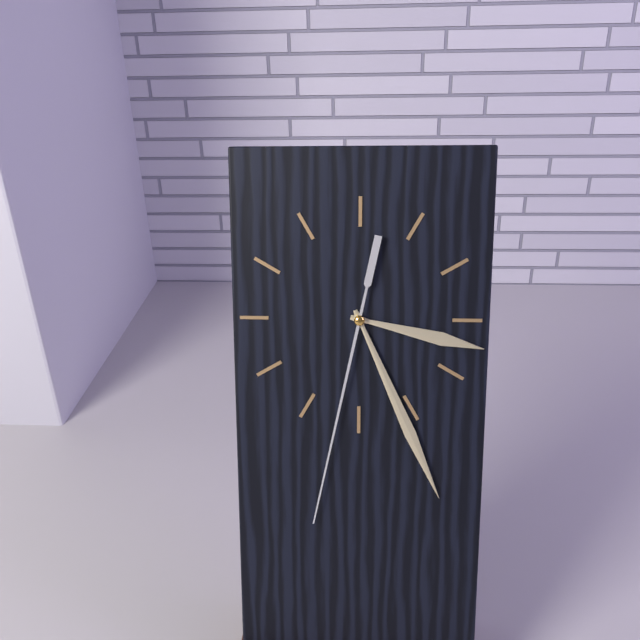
3:26:32
